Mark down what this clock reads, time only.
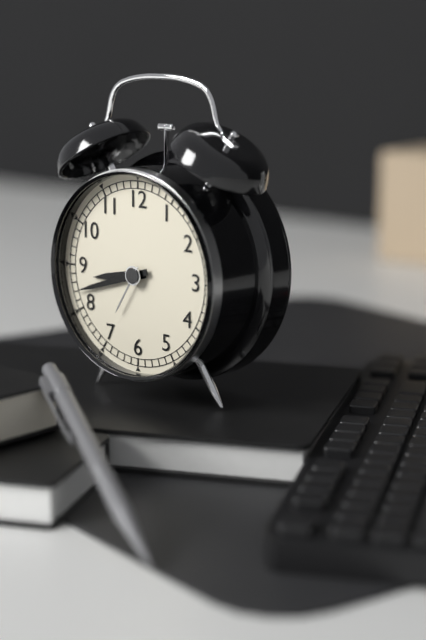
8:42
